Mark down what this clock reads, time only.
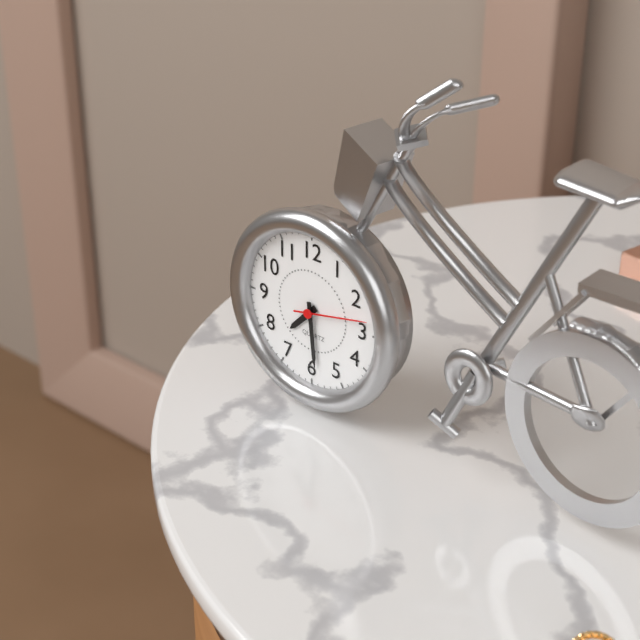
7:29:13
